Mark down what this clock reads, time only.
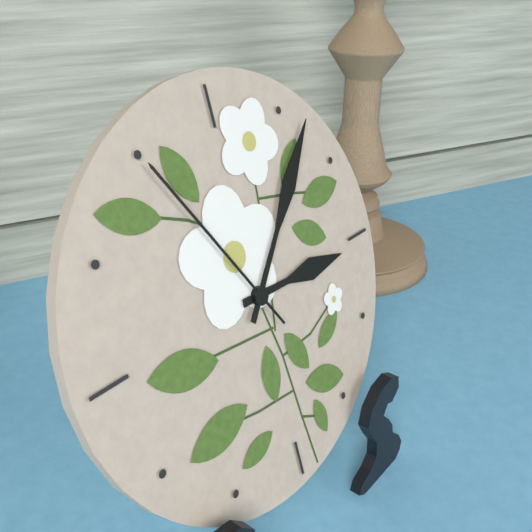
3:07:55
